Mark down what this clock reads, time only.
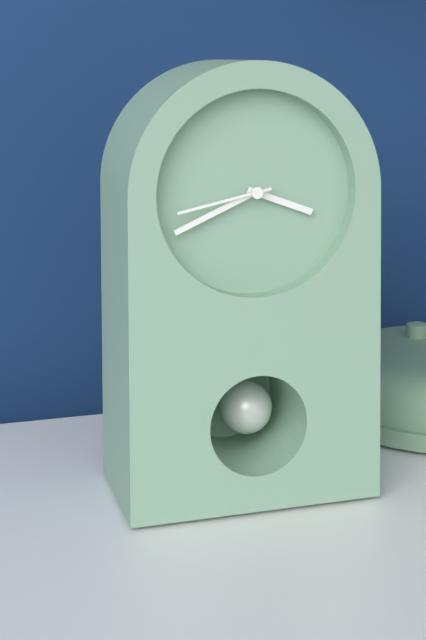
3:41:43
